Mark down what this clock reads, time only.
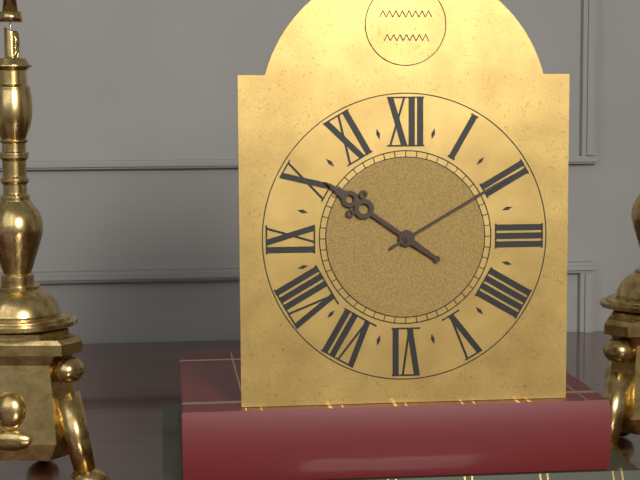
10:10
